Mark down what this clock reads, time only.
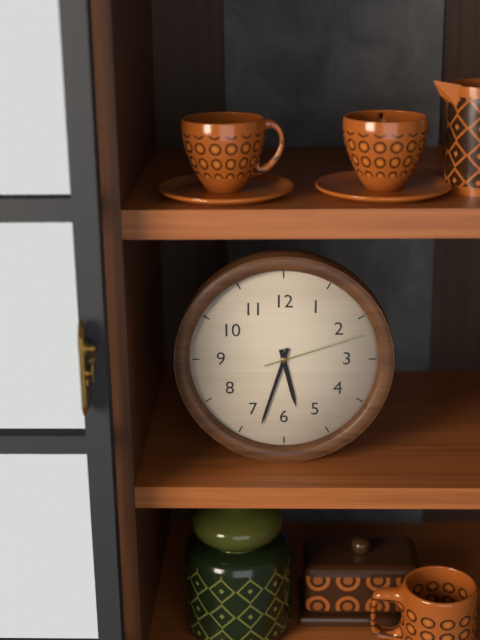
5:33:12
